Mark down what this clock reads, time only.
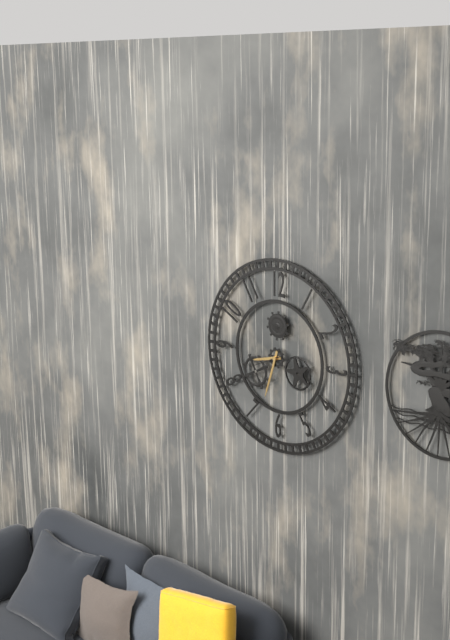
8:33
